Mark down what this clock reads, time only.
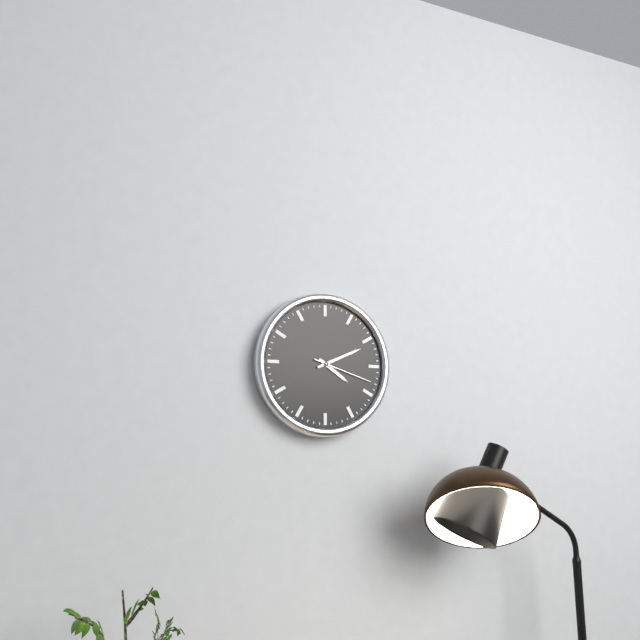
4:11:18
